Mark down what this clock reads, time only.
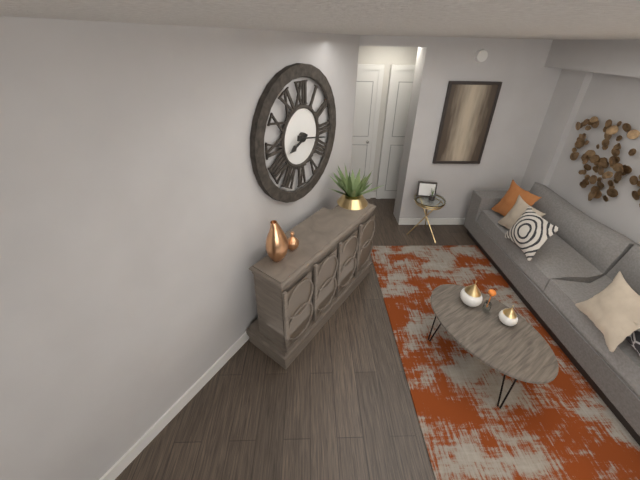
8:17
